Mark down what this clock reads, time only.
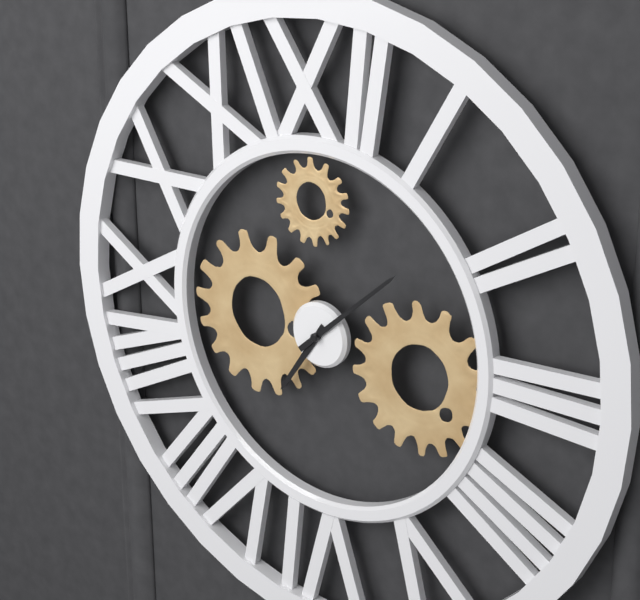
7:08
